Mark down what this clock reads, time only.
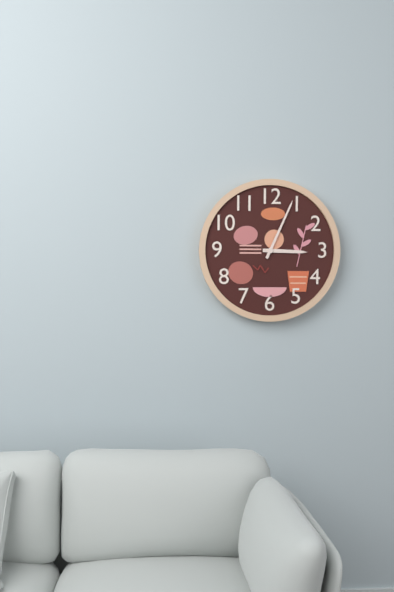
3:04
